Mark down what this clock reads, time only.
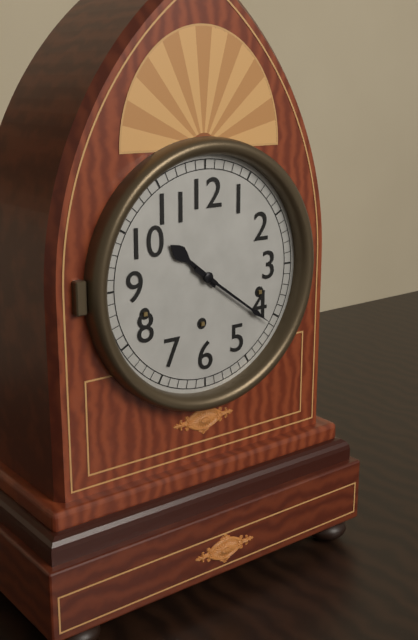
10:21
